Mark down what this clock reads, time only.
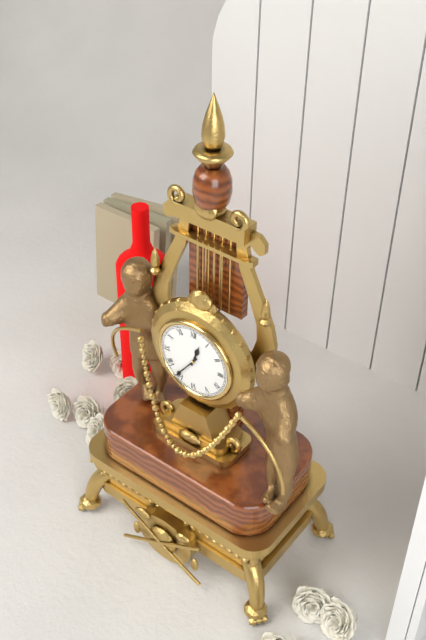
12:36
